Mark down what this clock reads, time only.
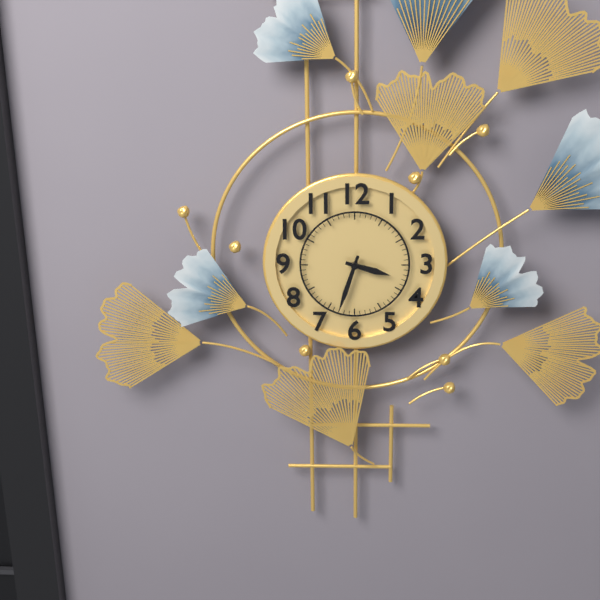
3:33
